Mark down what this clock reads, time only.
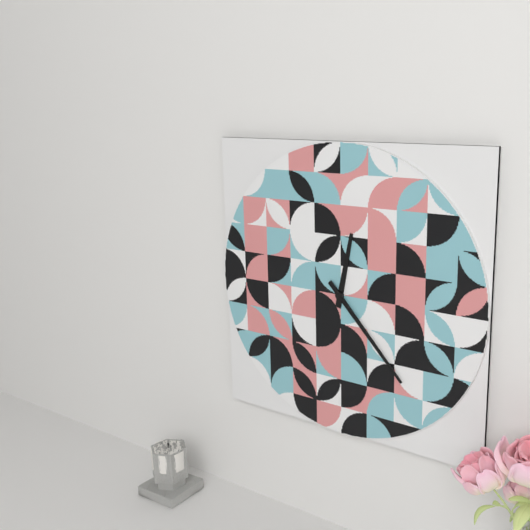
12:23
